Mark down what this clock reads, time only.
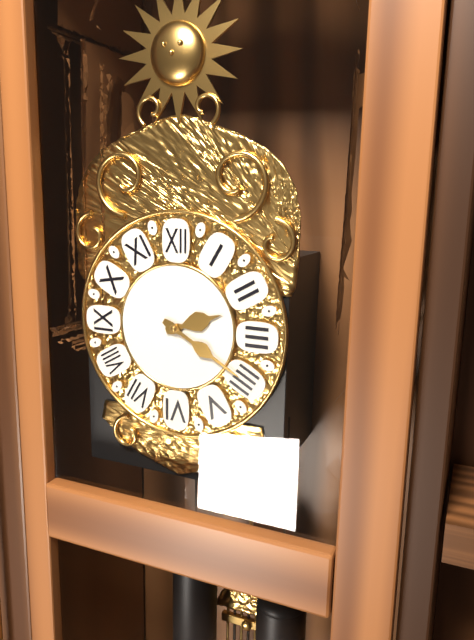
2:20
